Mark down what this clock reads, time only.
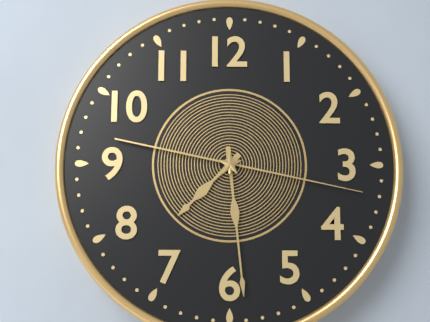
7:29:17
